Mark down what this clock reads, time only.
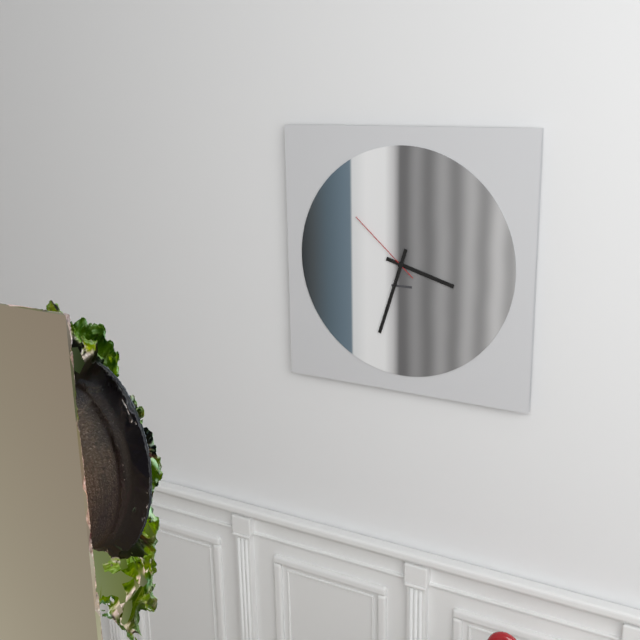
3:33:52
